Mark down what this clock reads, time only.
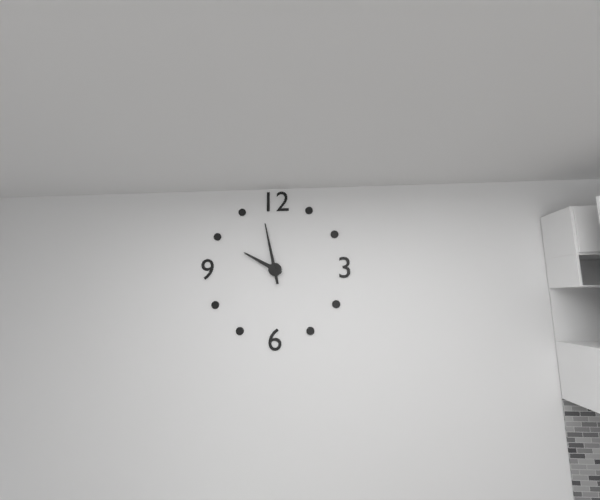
9:58
